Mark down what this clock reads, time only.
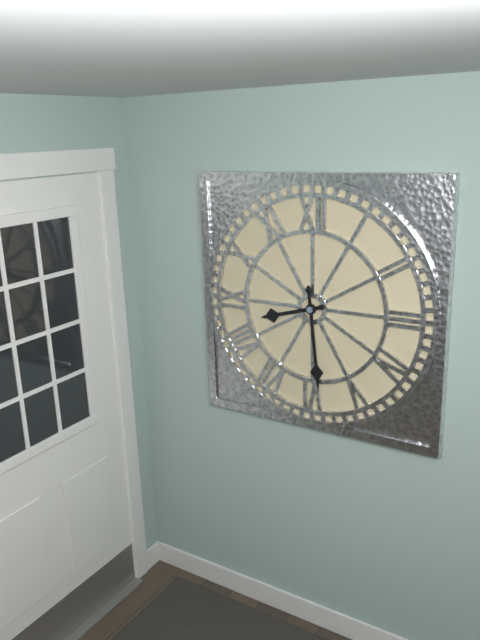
8:29
